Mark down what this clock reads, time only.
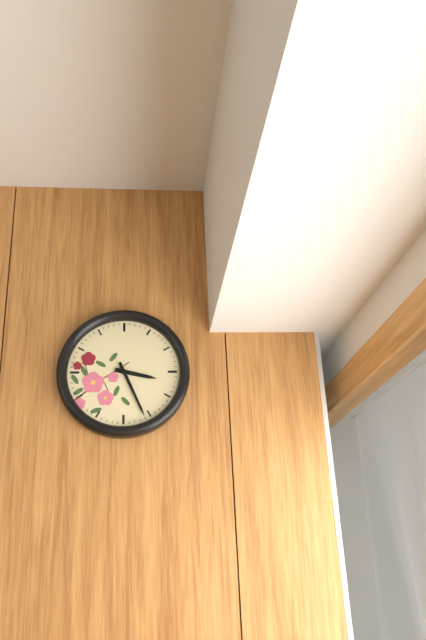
3:26
